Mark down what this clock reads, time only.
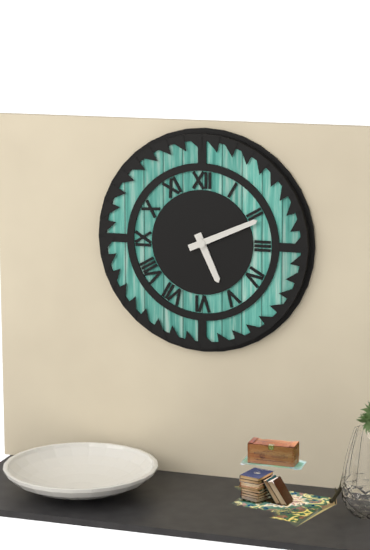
5:11
